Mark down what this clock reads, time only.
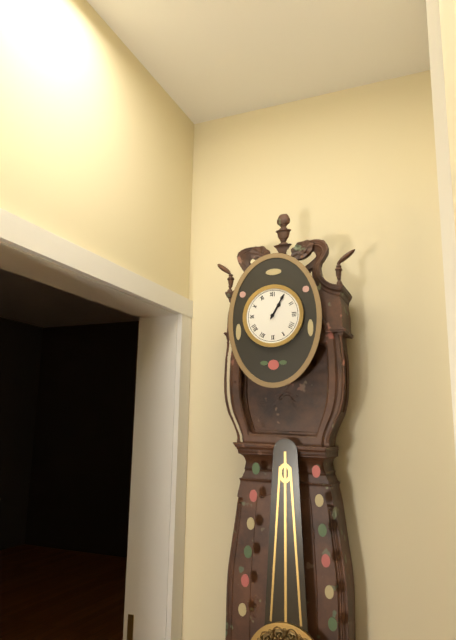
1:05
